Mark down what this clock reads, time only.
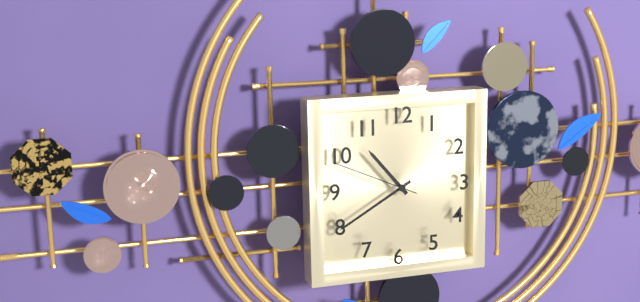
10:40:49
